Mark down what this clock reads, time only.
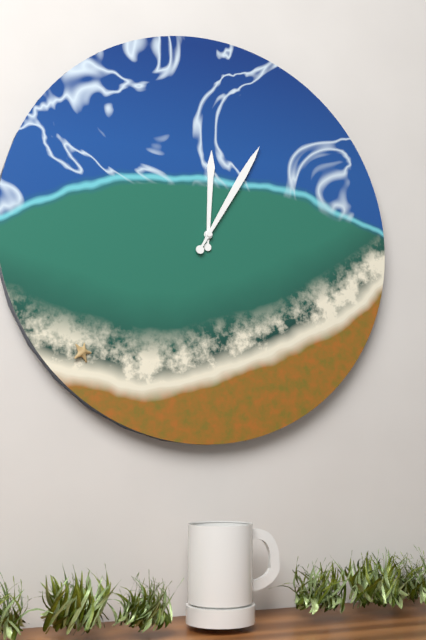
12:05
